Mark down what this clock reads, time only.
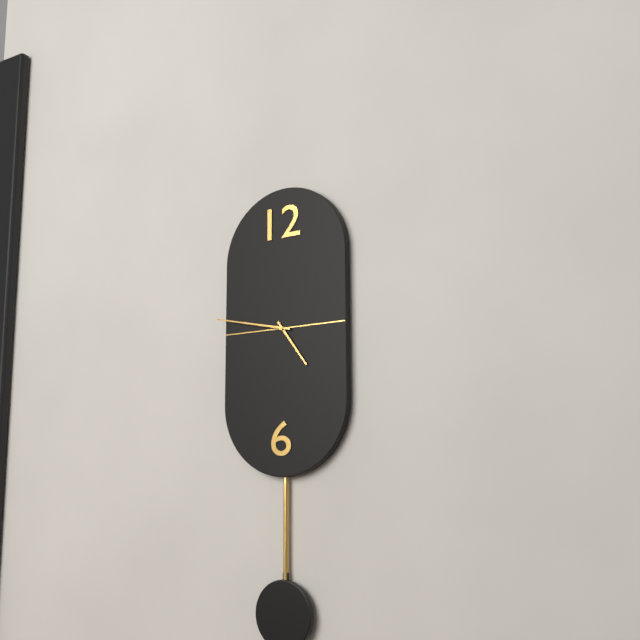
4:47
